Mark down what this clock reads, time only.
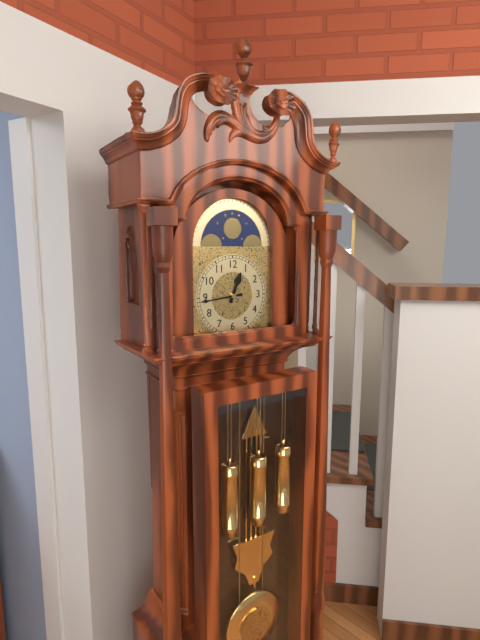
12:44
